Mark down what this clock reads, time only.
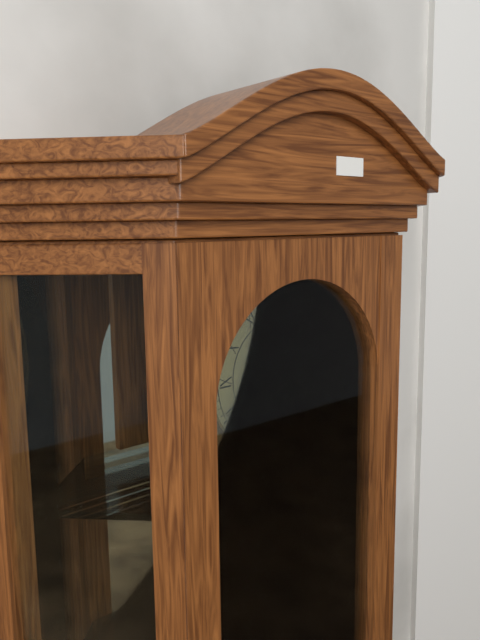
4:00
